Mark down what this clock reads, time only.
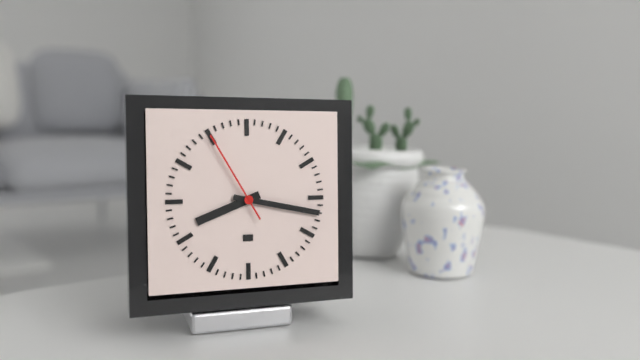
8:17:55
